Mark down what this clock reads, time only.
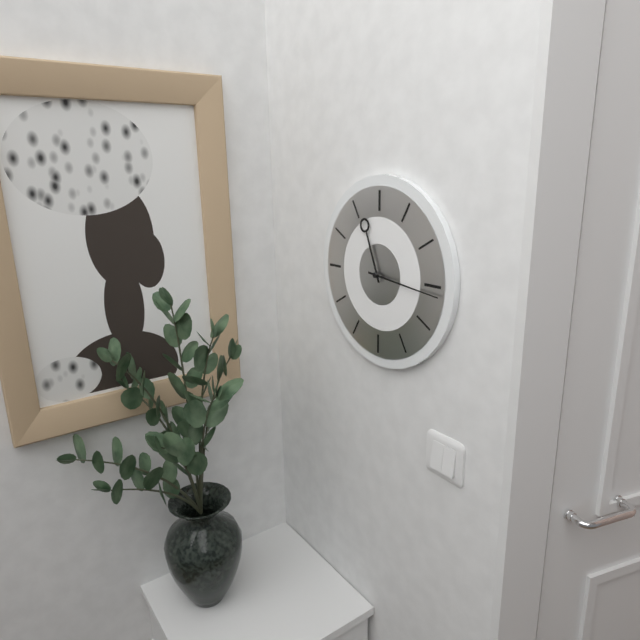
11:16
